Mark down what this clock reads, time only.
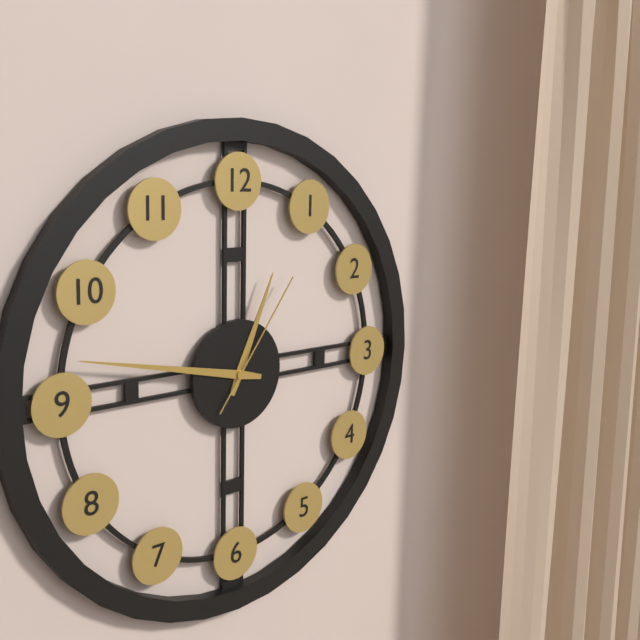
12:47:06
